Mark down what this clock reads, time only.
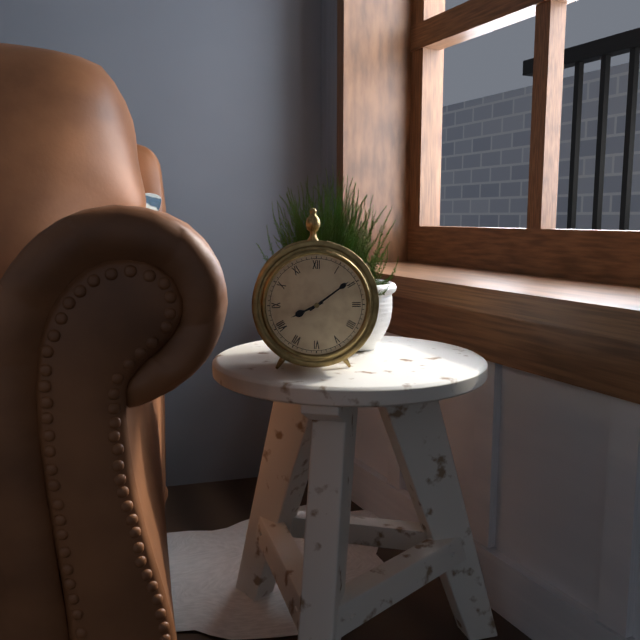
8:09
